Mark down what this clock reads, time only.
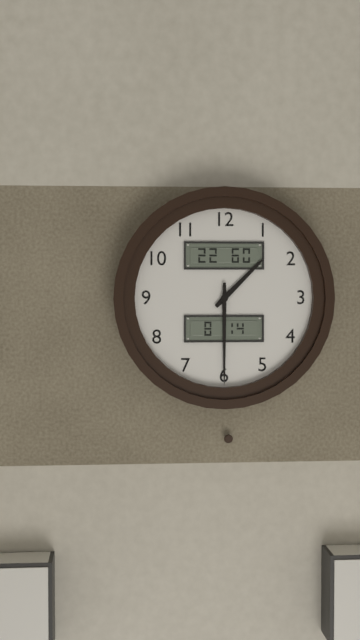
1:30
